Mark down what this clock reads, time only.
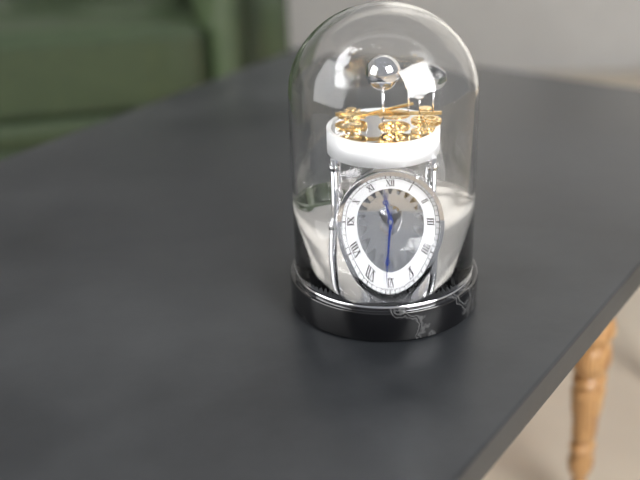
11:31
